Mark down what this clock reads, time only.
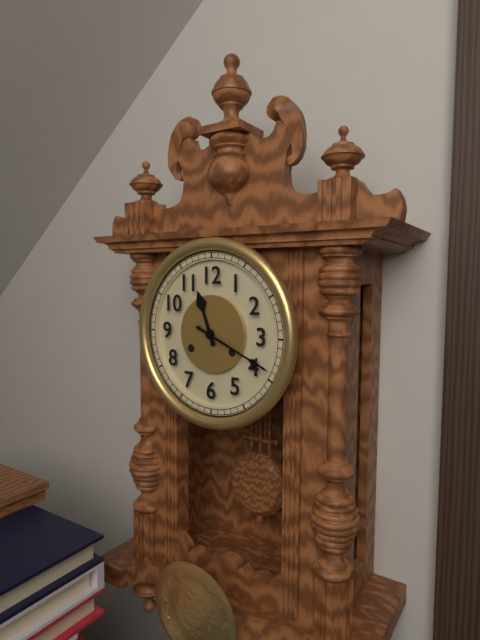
11:19
